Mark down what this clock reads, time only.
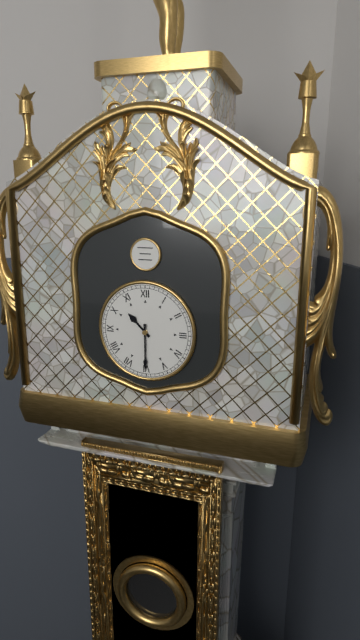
10:30
